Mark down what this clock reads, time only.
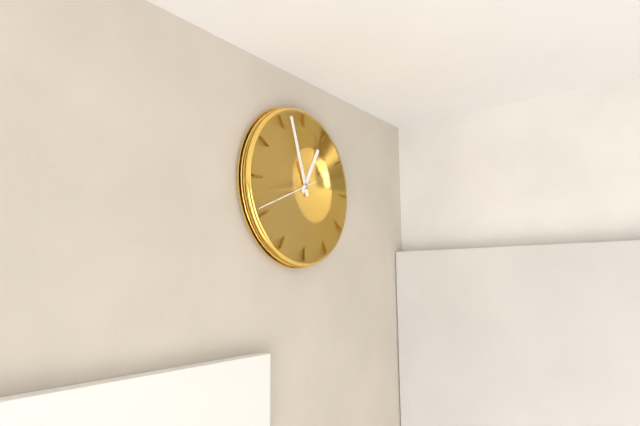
12:57:41
